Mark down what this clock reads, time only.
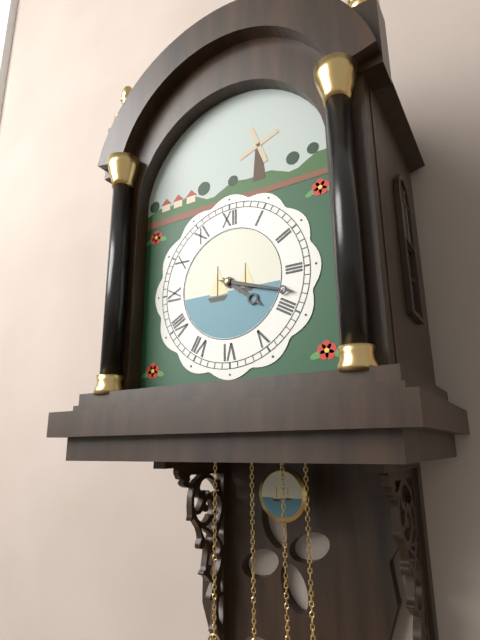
4:18
